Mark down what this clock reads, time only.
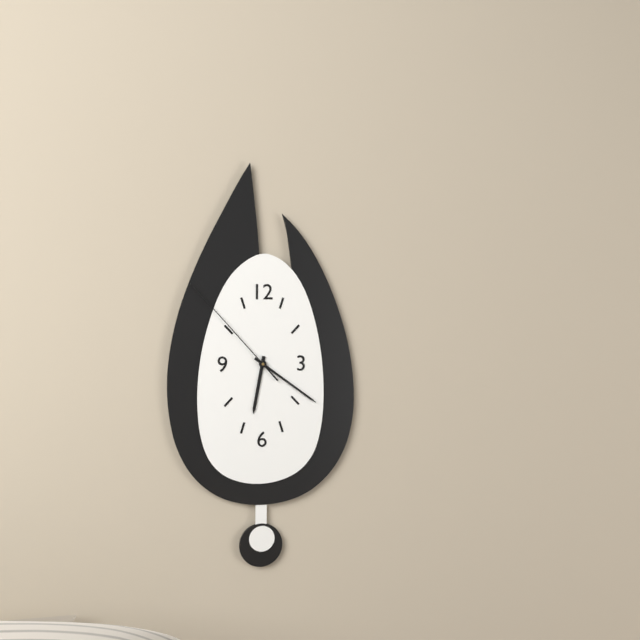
6:21:53
